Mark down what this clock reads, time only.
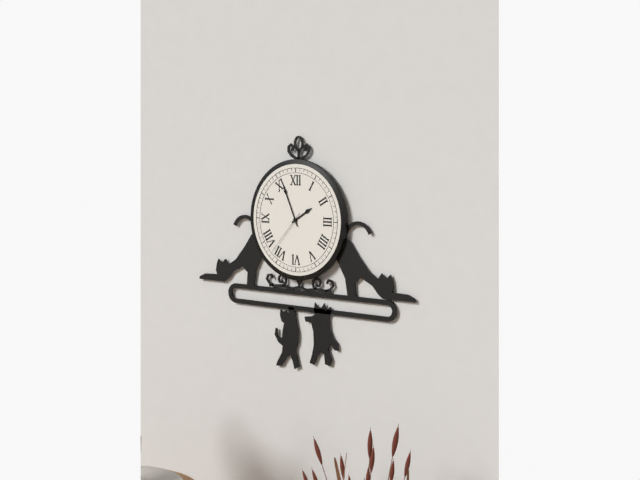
1:56:37
